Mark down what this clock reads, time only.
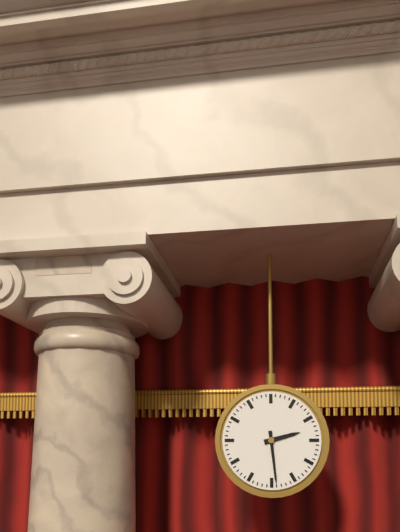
2:29
